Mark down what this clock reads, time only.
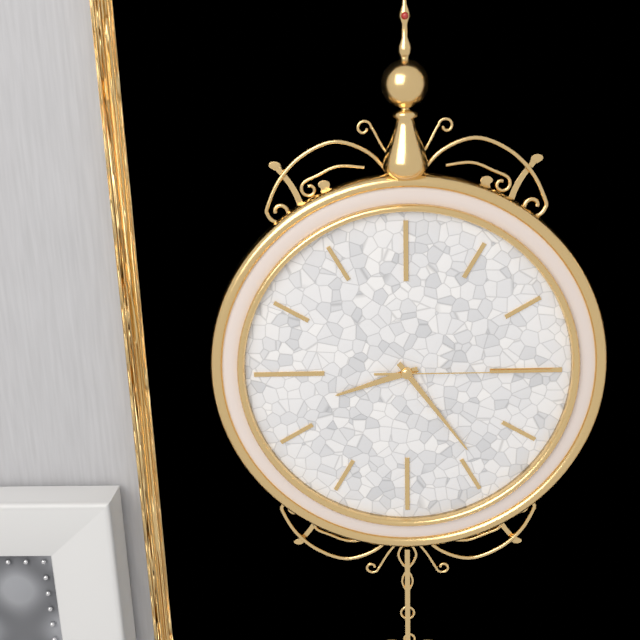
8:24:15
